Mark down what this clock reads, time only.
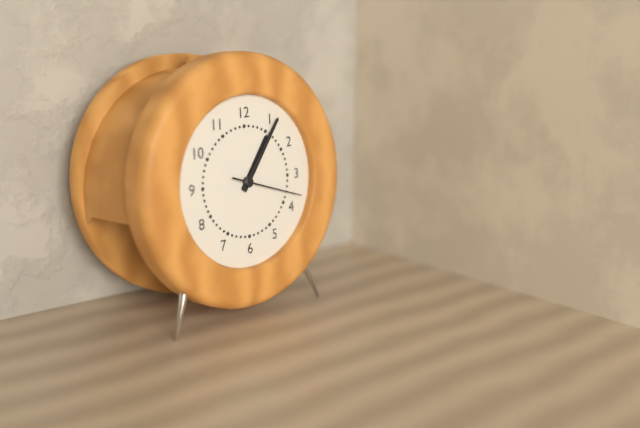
1:06:18
